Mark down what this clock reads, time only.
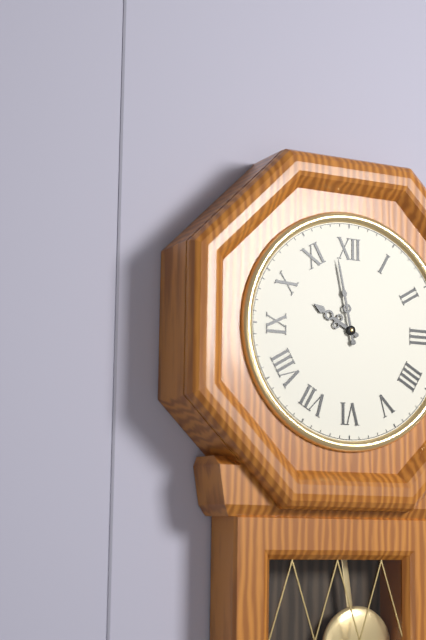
9:58
